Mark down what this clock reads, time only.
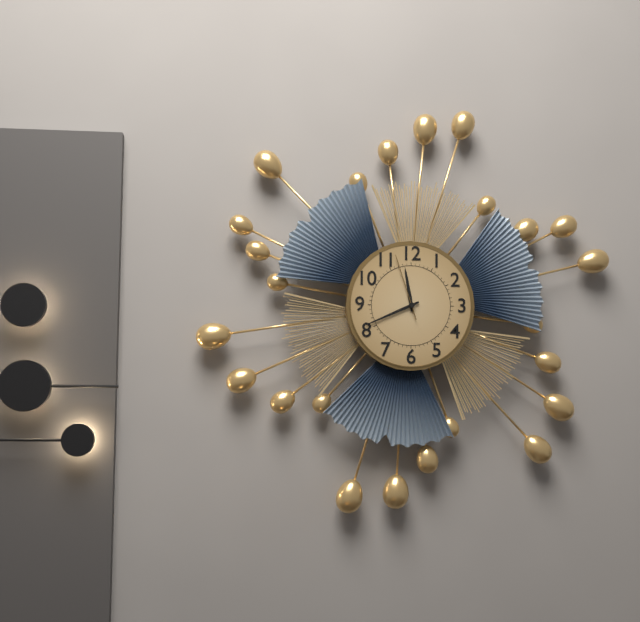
11:41:57
